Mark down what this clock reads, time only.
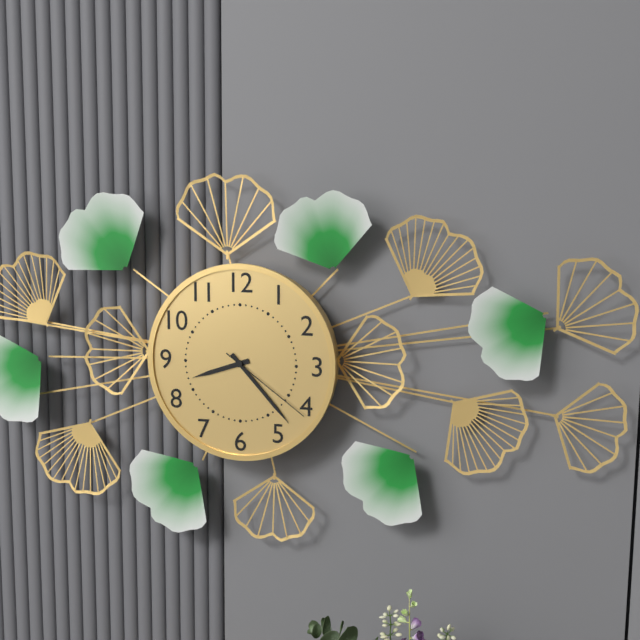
8:23:21
